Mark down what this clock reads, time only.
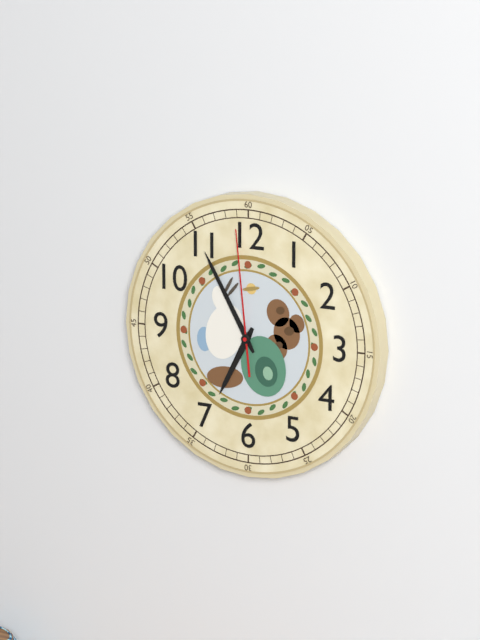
6:55:59
